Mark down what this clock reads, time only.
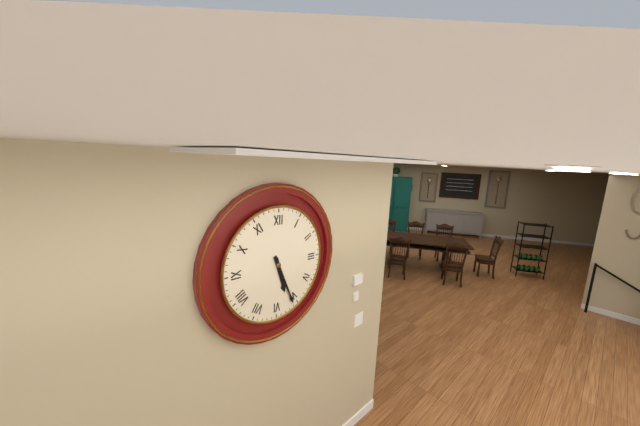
5:26
